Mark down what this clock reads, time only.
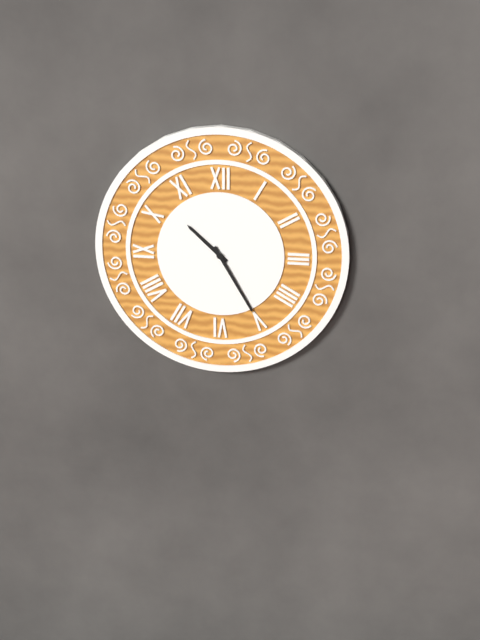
10:25
